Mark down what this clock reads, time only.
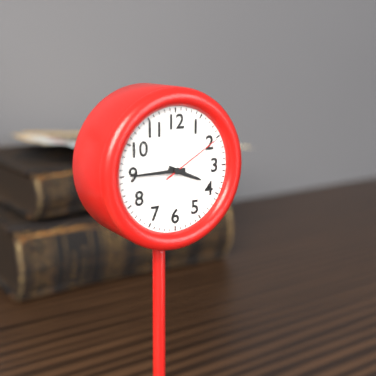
3:45:10
